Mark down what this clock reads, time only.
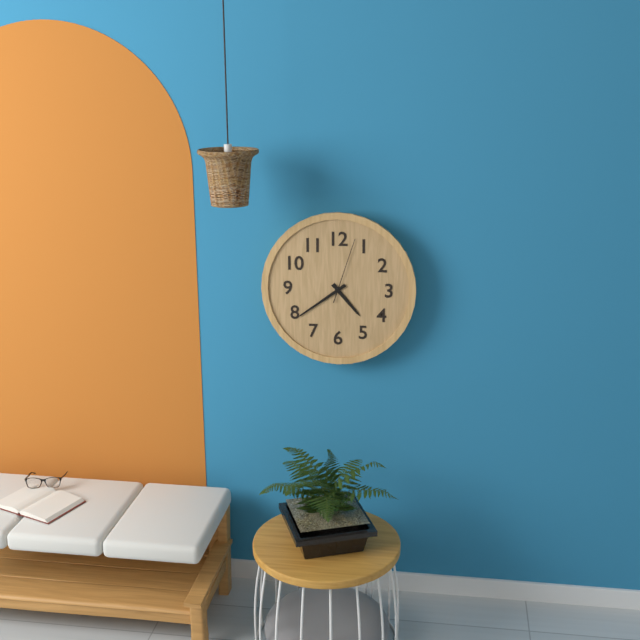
4:39:03
